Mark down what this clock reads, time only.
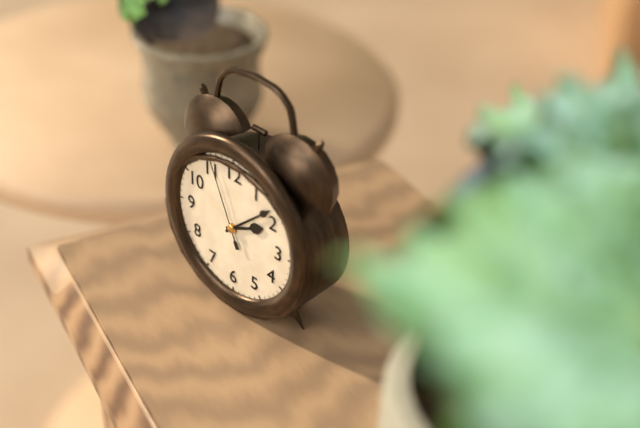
2:08:56
